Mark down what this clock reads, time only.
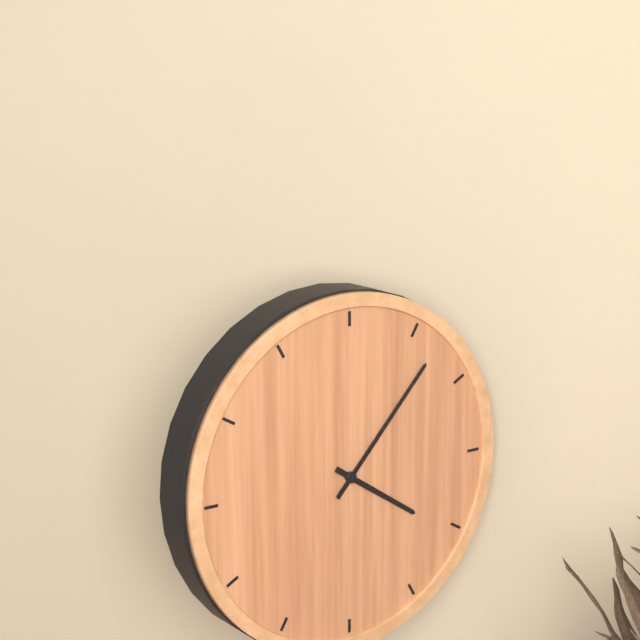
4:07
